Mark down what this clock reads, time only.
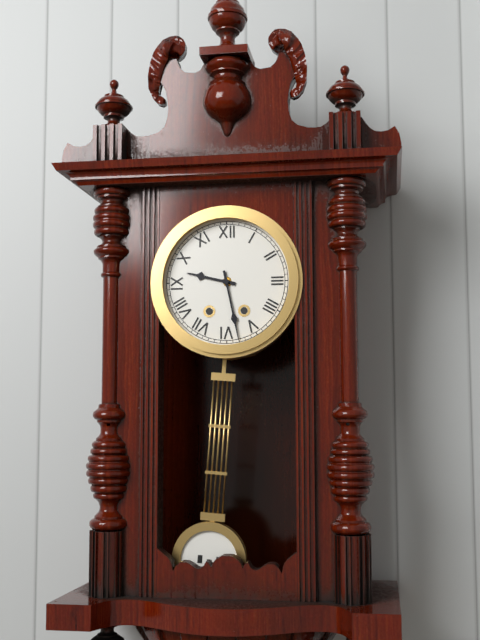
9:28
